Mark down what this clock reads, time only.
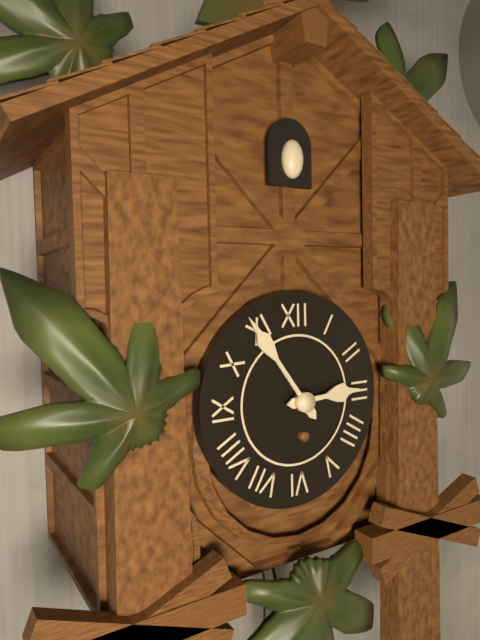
2:54
